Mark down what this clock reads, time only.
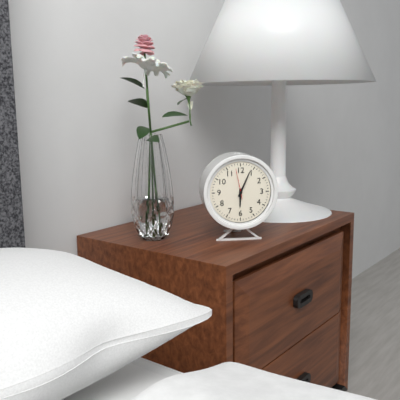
6:04
